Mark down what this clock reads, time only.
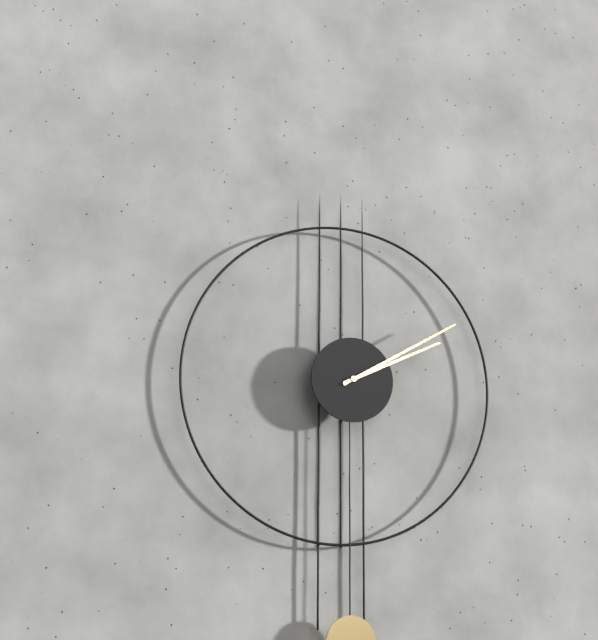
2:10
